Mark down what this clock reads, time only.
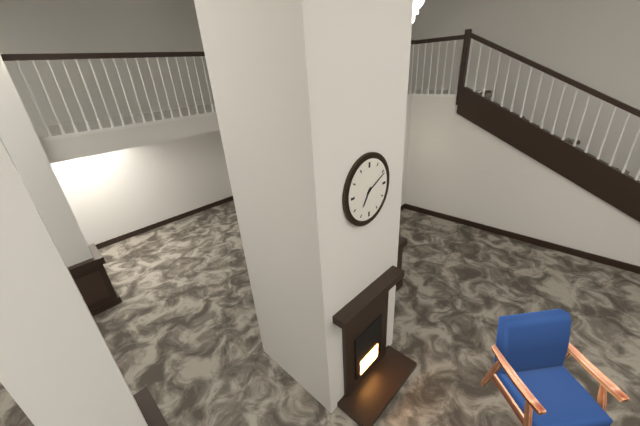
7:11
